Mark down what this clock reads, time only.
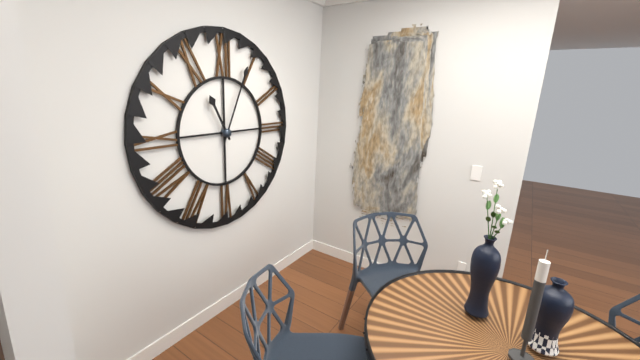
11:04
